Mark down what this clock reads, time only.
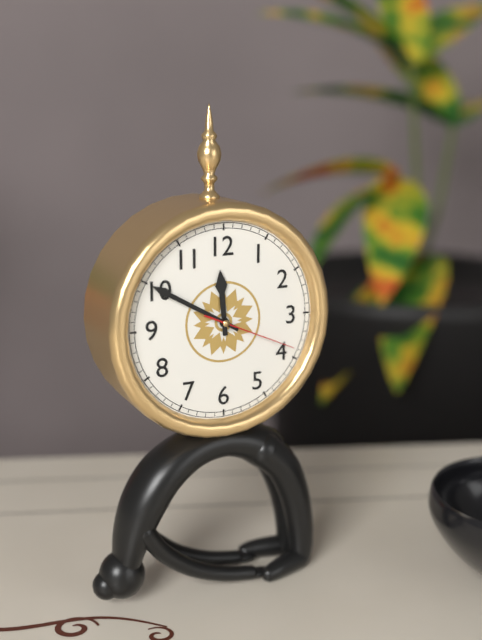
11:50:19
